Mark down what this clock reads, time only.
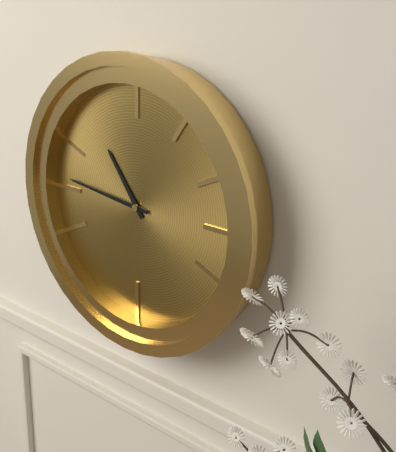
10:46
